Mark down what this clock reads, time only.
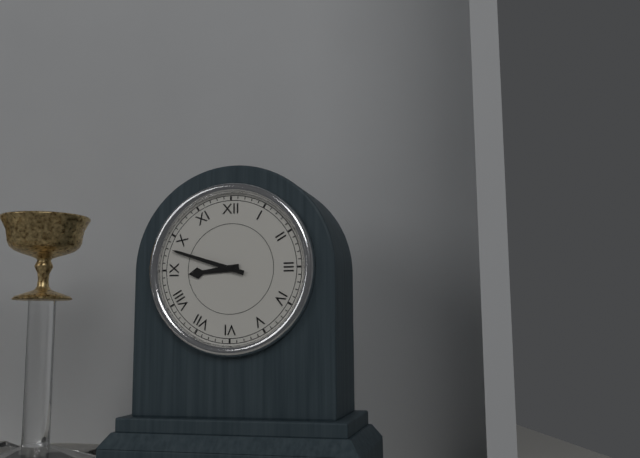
8:48
